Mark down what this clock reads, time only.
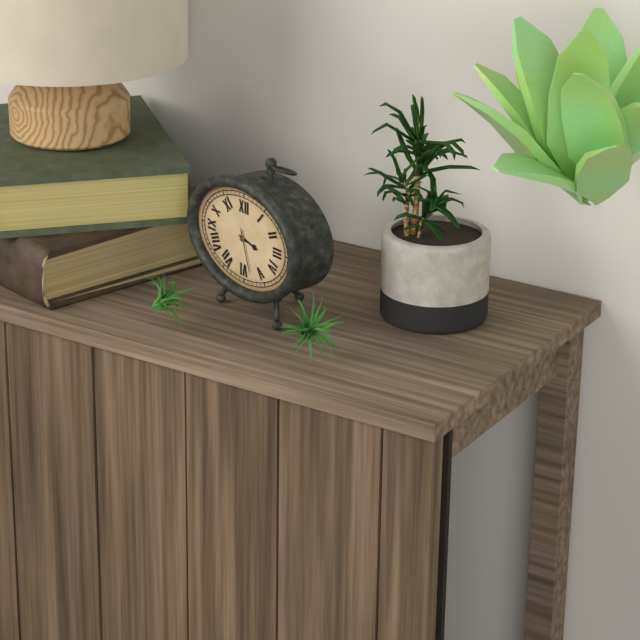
3:27
